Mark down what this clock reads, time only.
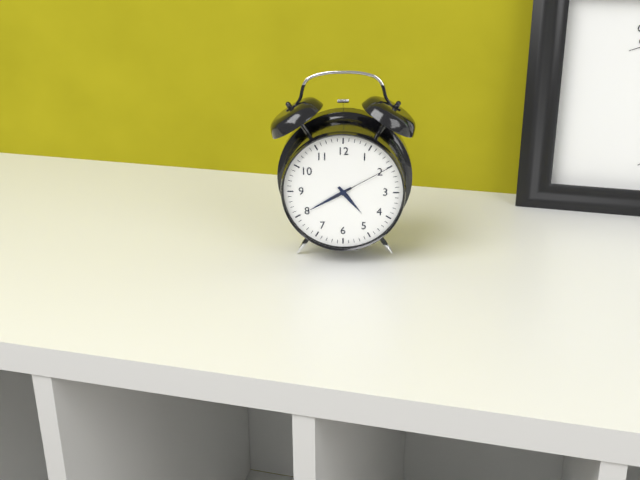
4:40:10
